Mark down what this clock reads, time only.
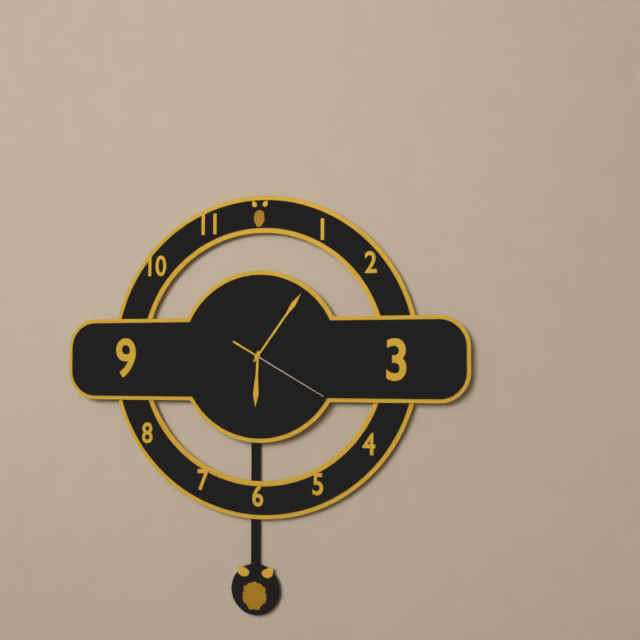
6:06:20
